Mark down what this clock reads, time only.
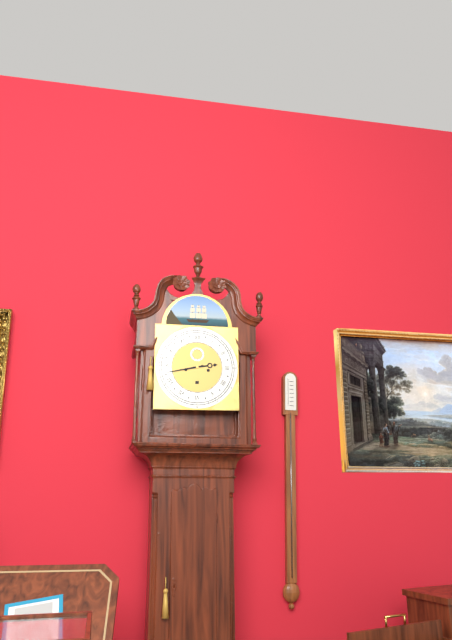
2:43
